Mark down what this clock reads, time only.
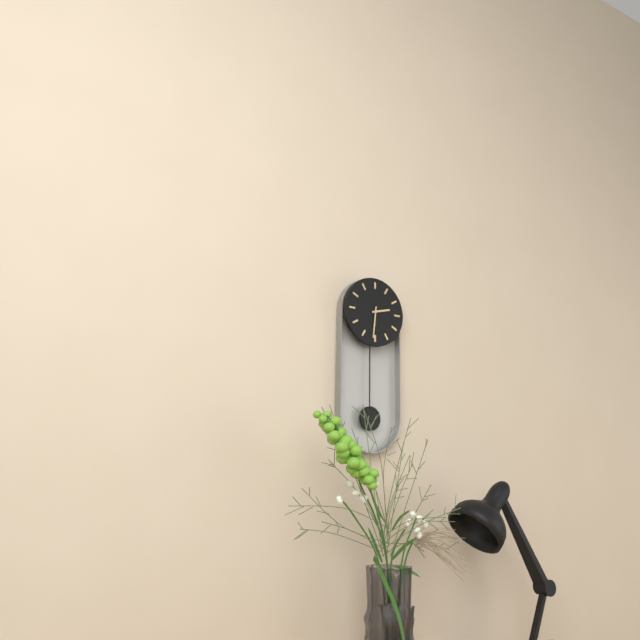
2:31
